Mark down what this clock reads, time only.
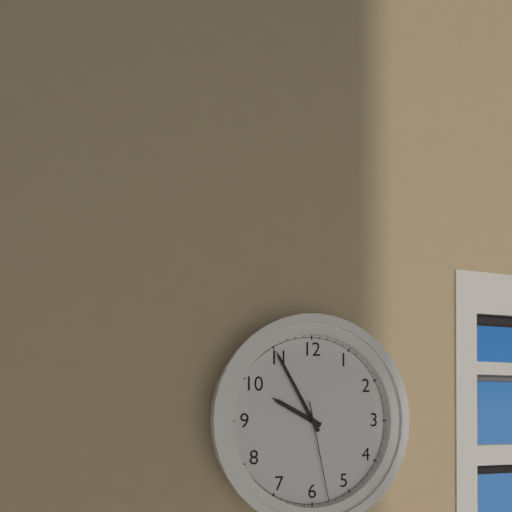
9:55:28
